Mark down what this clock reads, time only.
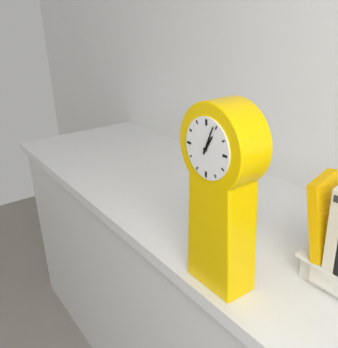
1:04
